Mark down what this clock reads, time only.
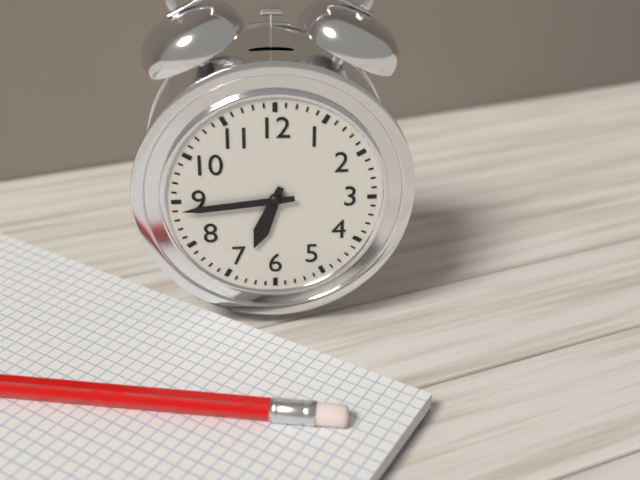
6:44
